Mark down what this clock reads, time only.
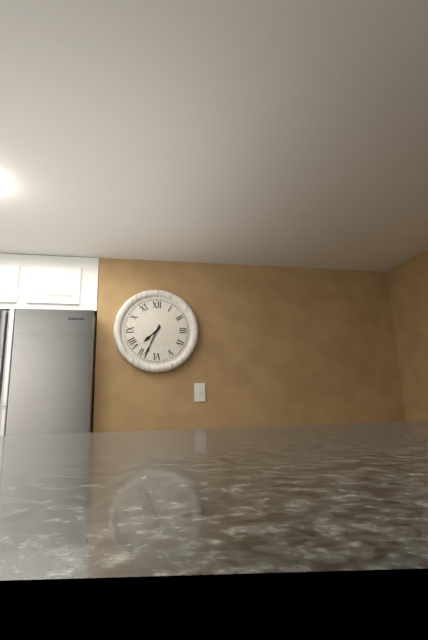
7:34
